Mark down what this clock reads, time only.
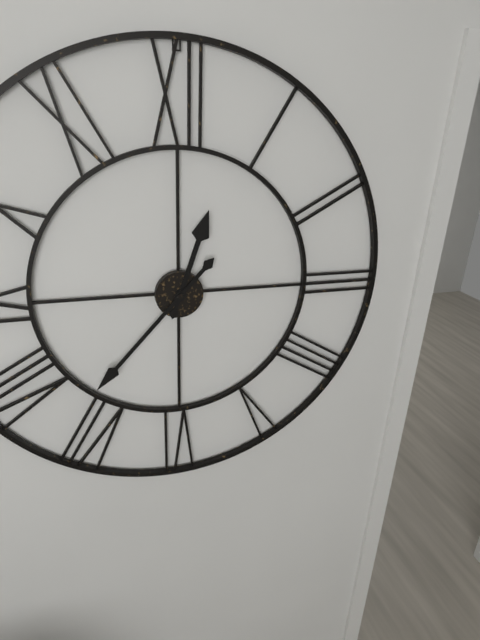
12:37
